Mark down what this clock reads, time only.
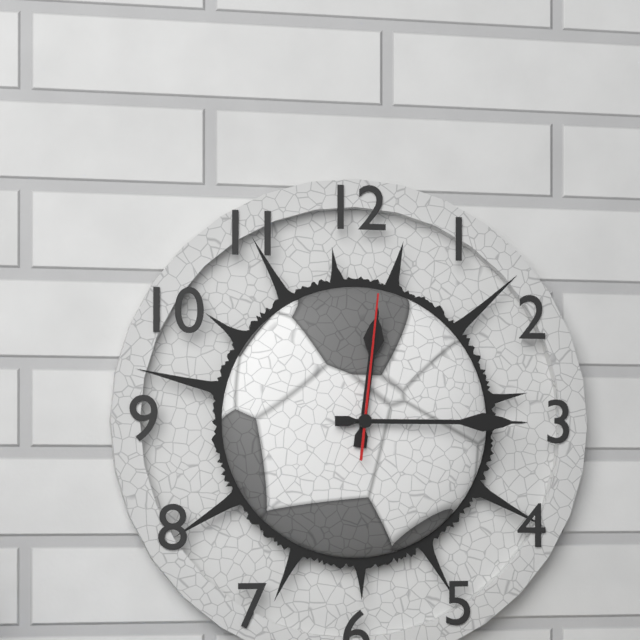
12:15:01
